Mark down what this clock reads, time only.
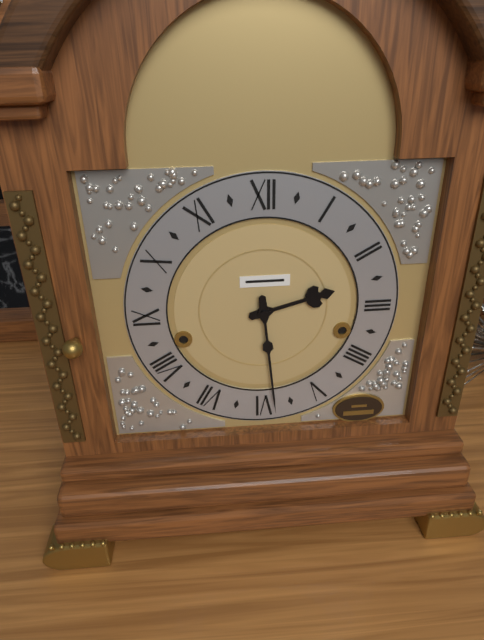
2:29
